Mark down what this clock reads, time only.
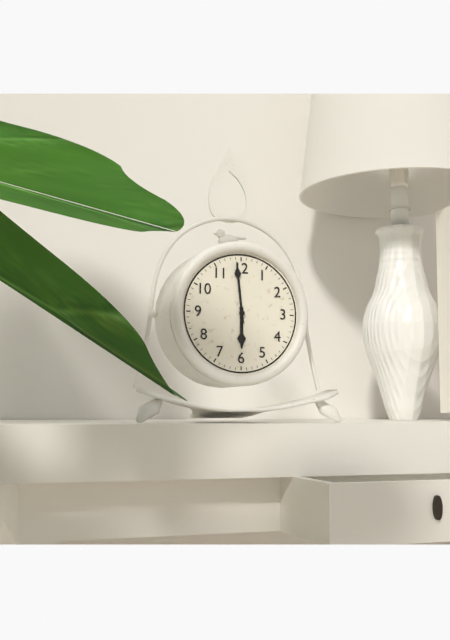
5:59
